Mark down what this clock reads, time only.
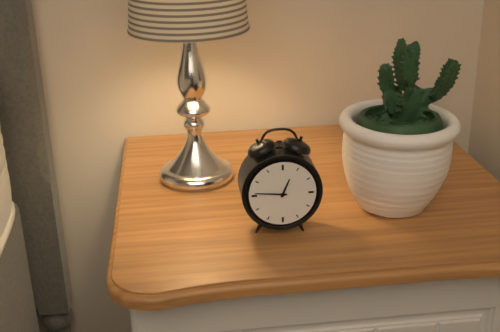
12:46
